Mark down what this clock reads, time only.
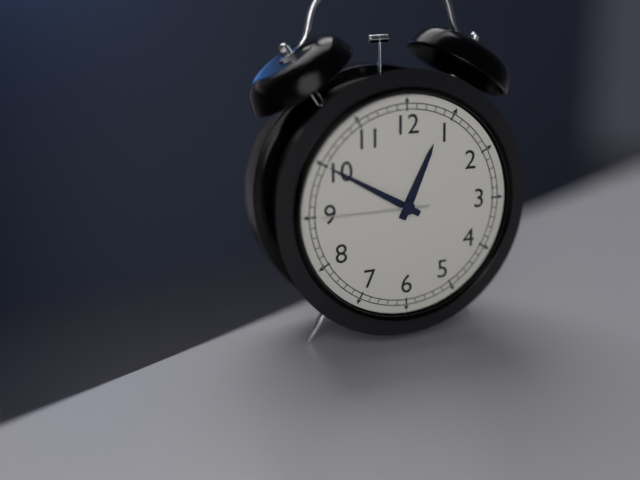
12:50:45
